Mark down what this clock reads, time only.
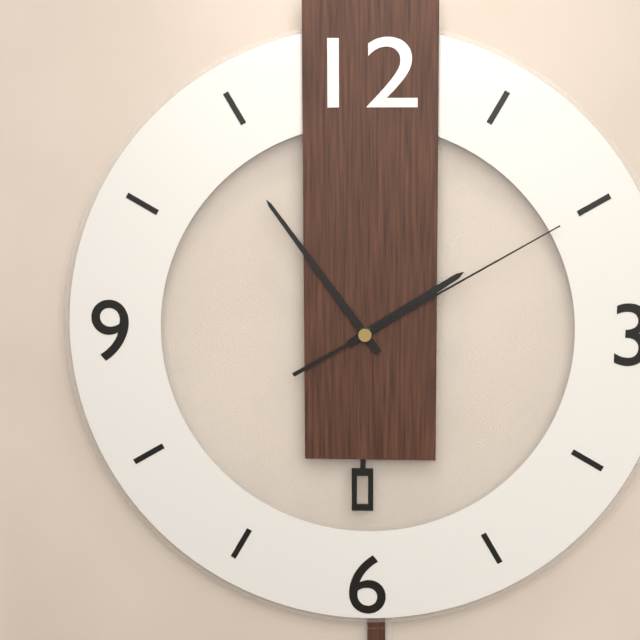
1:54:10
